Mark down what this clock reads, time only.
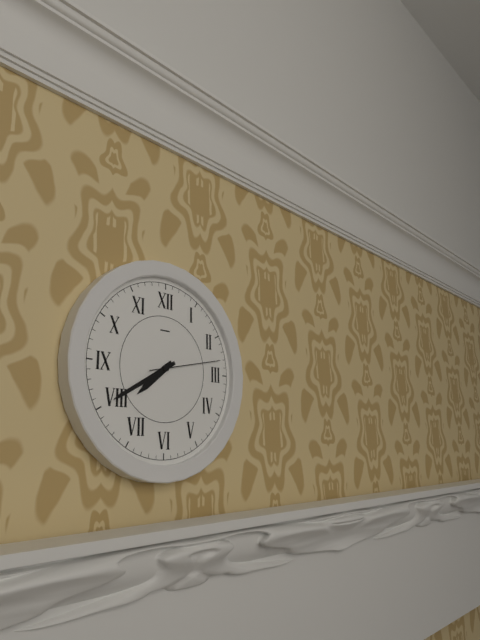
7:40:13
